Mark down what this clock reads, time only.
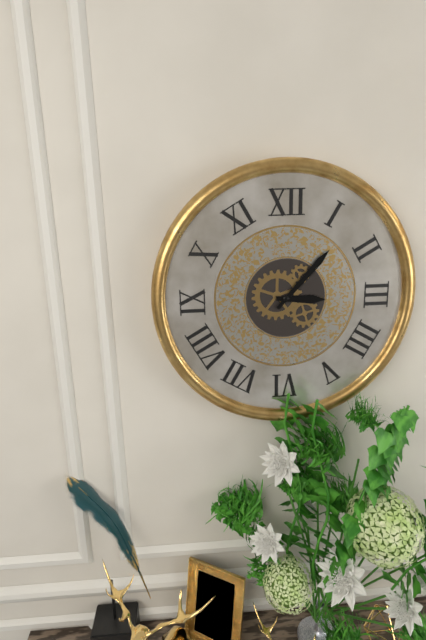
3:07
